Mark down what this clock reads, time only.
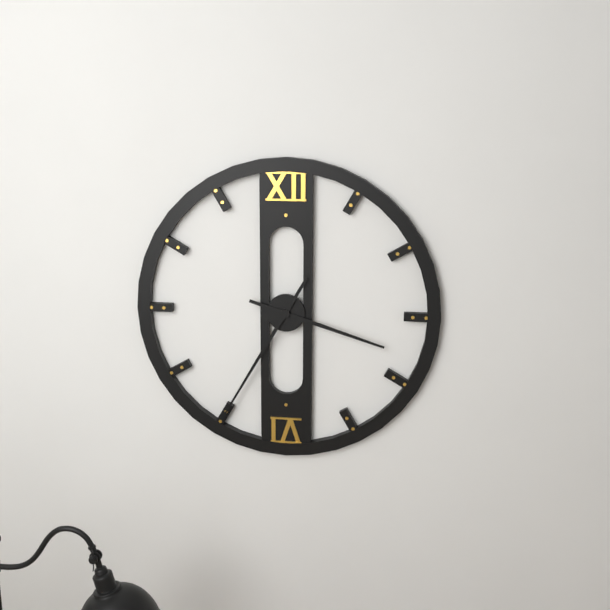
3:35
